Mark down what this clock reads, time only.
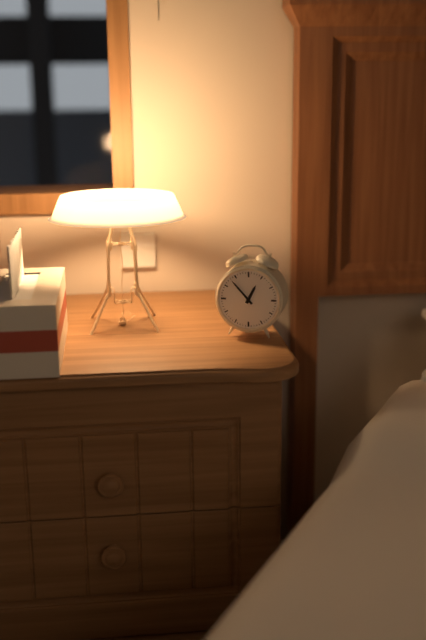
12:53
